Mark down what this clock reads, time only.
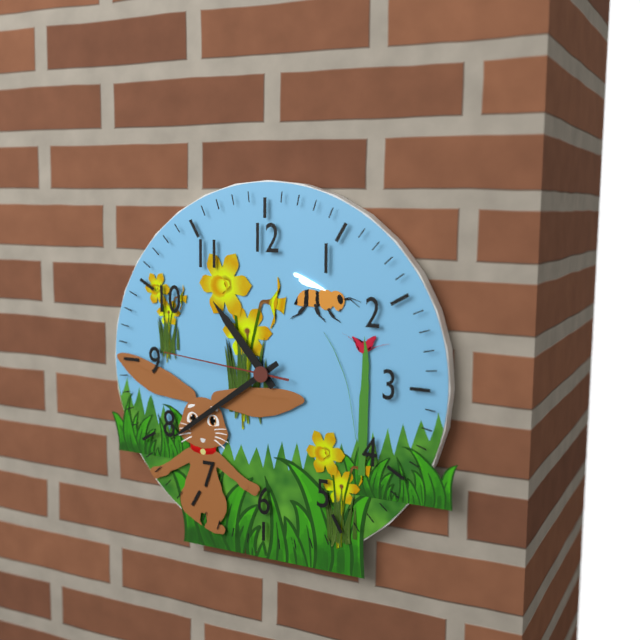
10:39:46
